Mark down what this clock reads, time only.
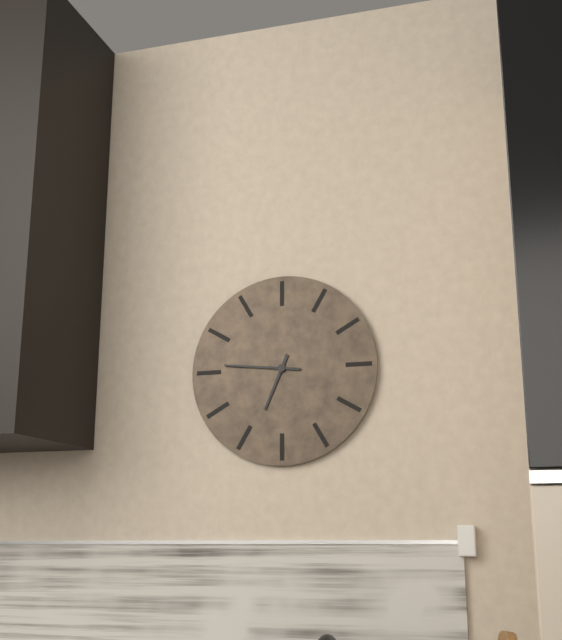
6:46
